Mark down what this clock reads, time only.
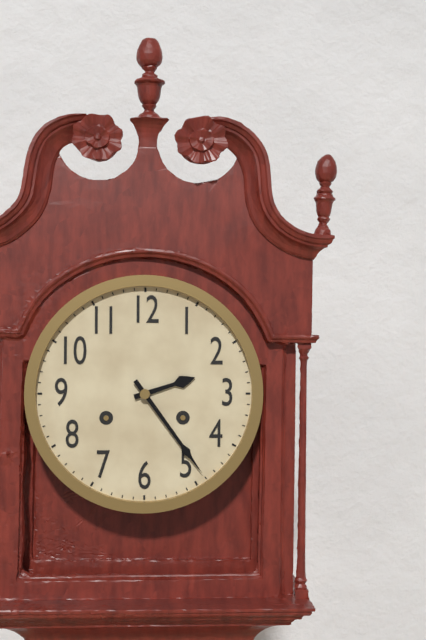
2:24
